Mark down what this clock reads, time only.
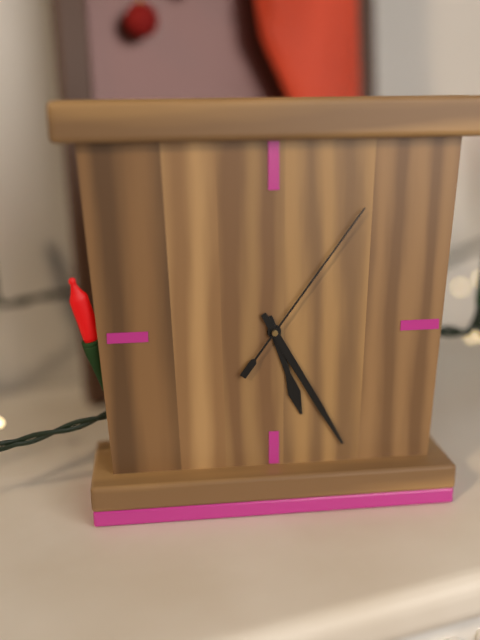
5:25:06
